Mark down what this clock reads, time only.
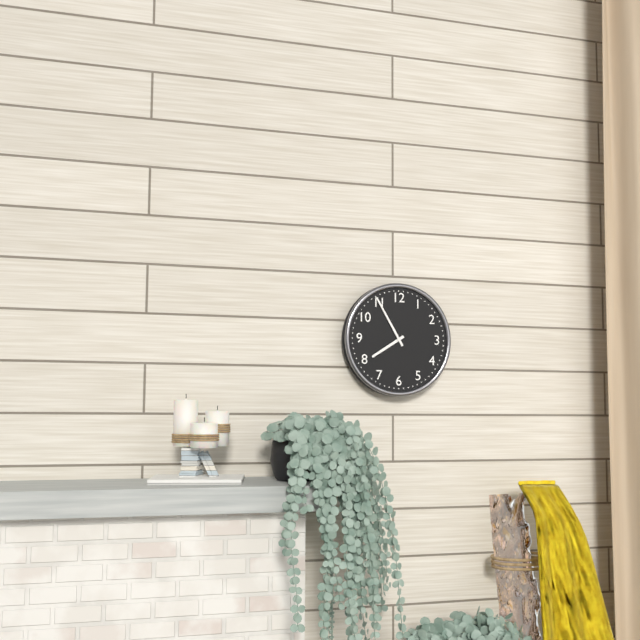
7:55
